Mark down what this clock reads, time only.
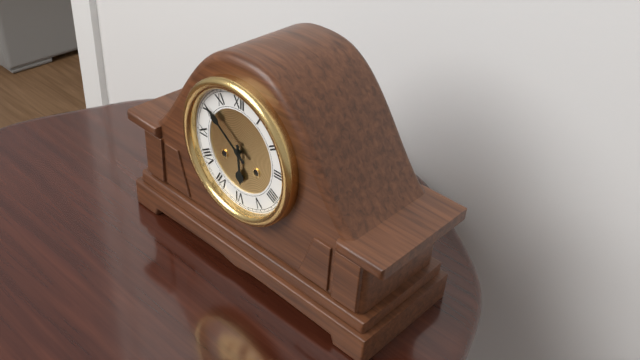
5:51
